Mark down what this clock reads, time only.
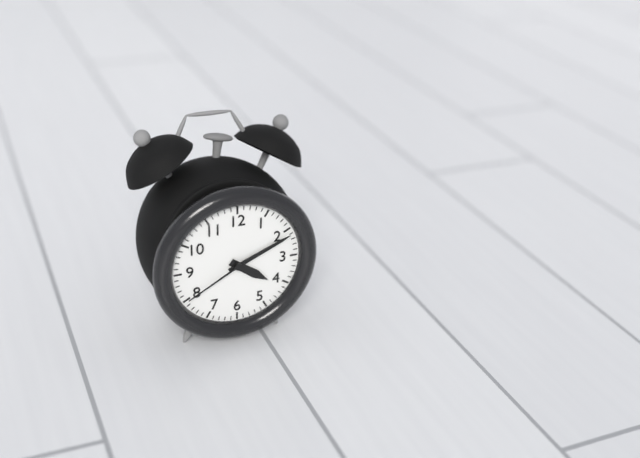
4:11:40
